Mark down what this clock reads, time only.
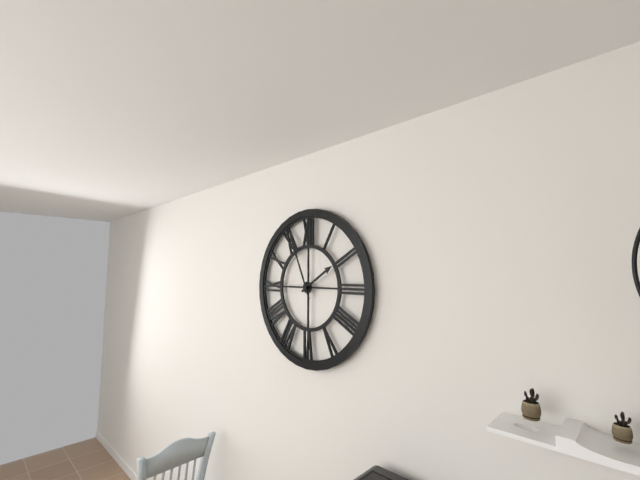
1:56
